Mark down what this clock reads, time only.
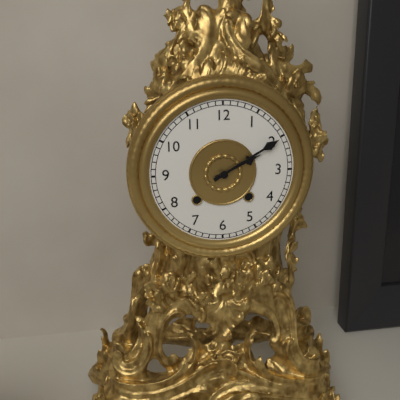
2:10
